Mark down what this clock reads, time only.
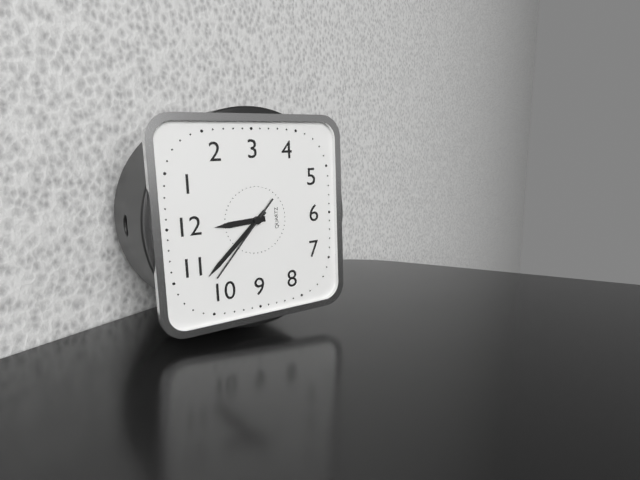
11:53:52
